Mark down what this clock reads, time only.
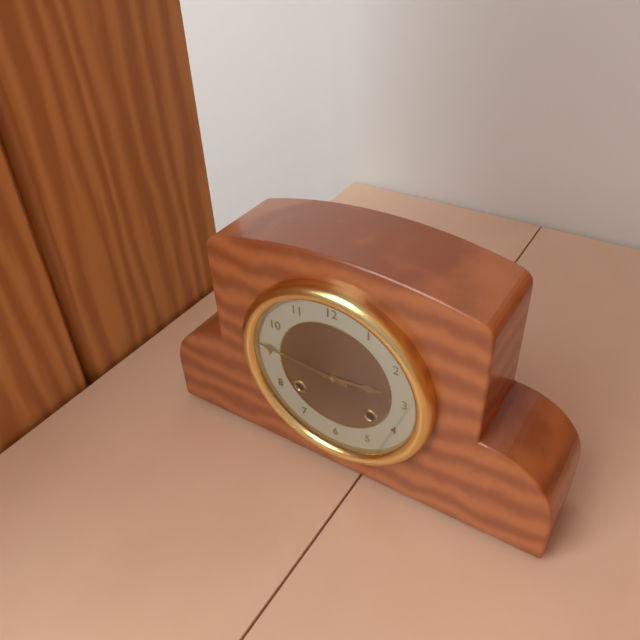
2:46
